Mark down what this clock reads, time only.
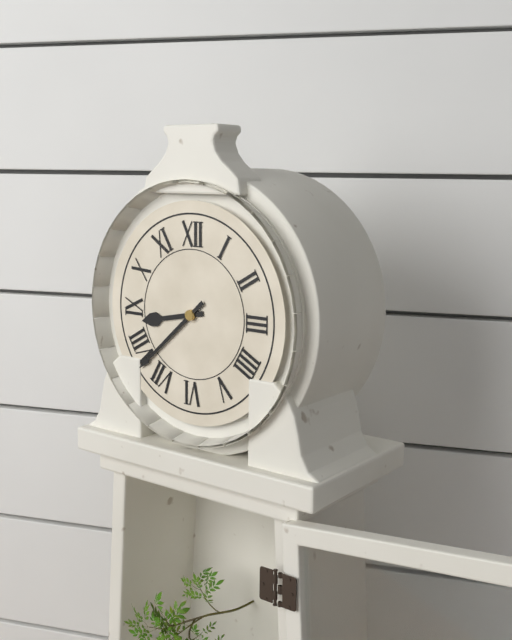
8:38
